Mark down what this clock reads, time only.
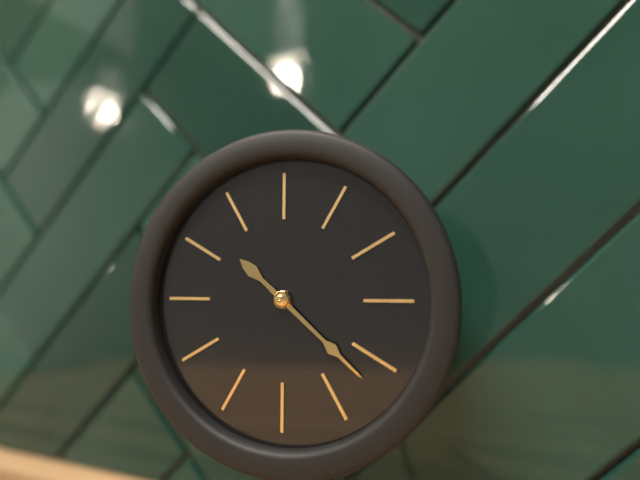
10:22
